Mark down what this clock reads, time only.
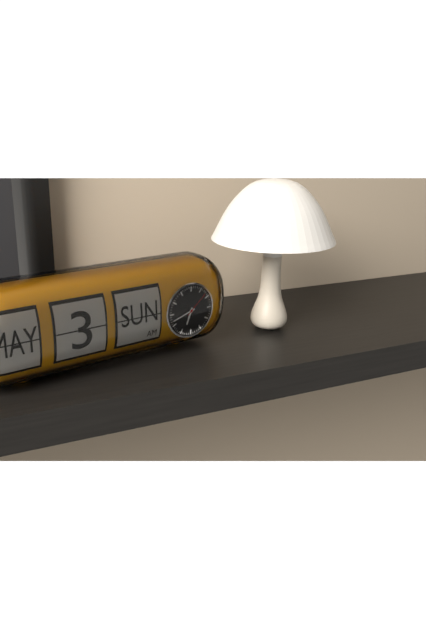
6:42
